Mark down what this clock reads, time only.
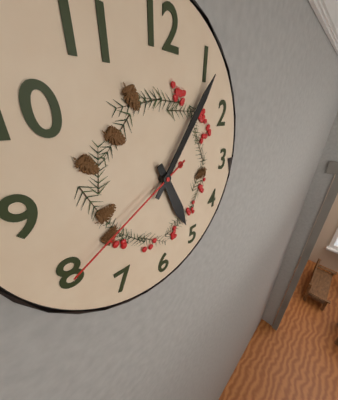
5:06:40
